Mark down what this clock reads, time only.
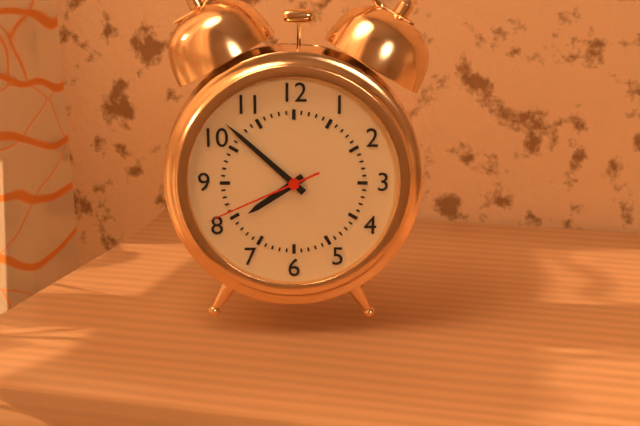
7:52:41
